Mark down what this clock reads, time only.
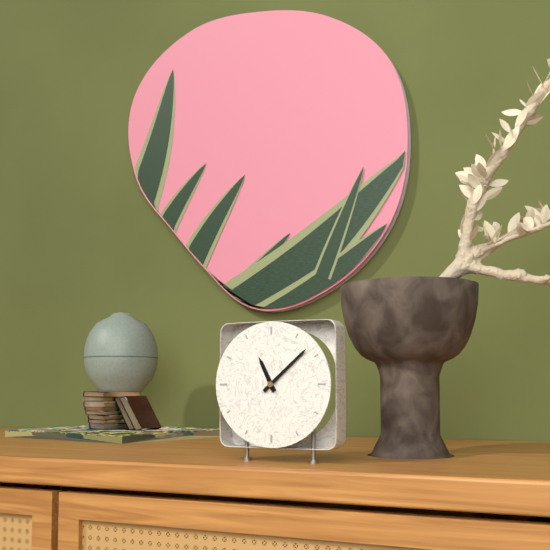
11:08
